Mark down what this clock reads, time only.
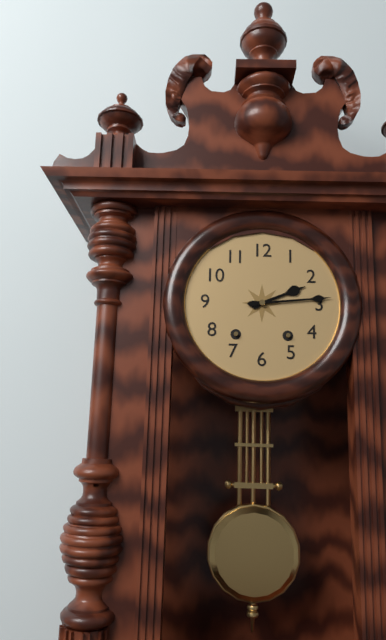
2:14
